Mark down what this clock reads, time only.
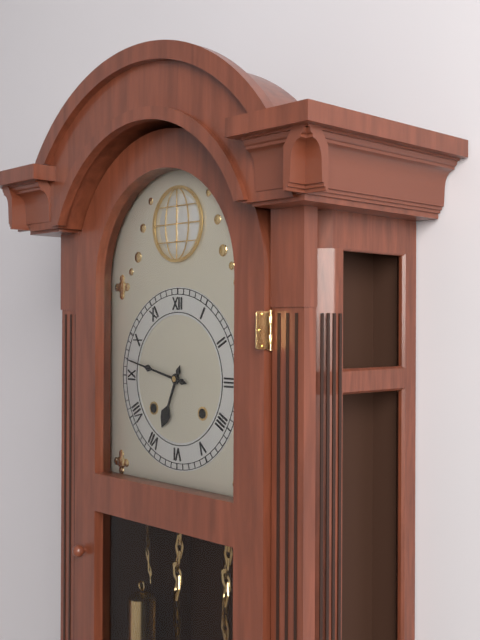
6:47
